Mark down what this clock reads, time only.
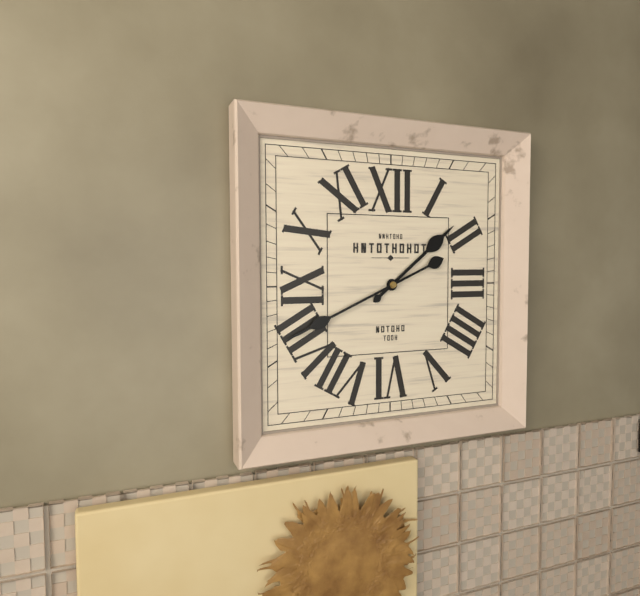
1:41
